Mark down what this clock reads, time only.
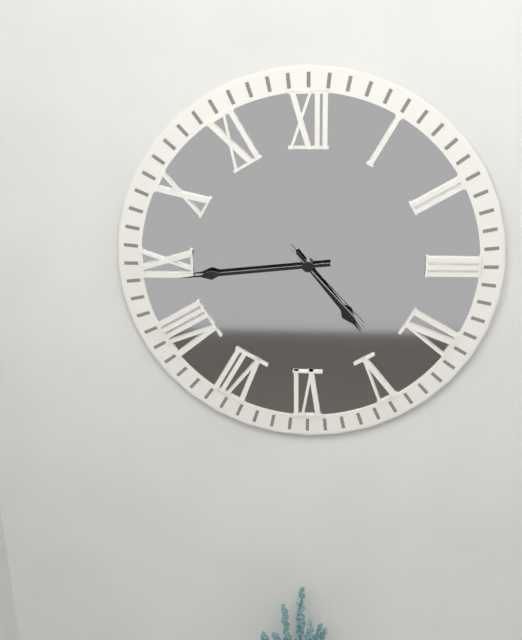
4:44:23
